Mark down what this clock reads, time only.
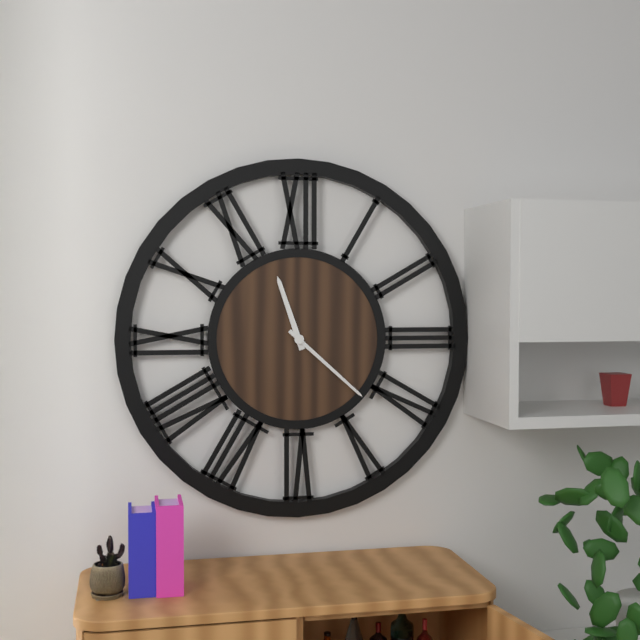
11:22
